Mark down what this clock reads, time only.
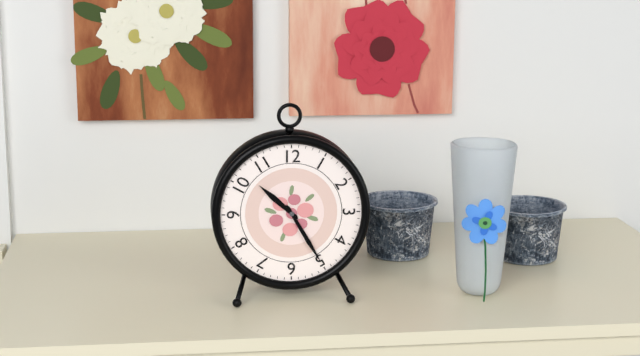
10:25
